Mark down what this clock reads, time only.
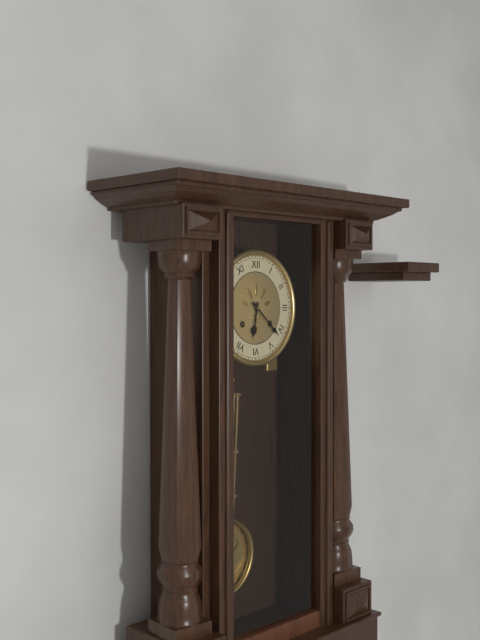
6:22
